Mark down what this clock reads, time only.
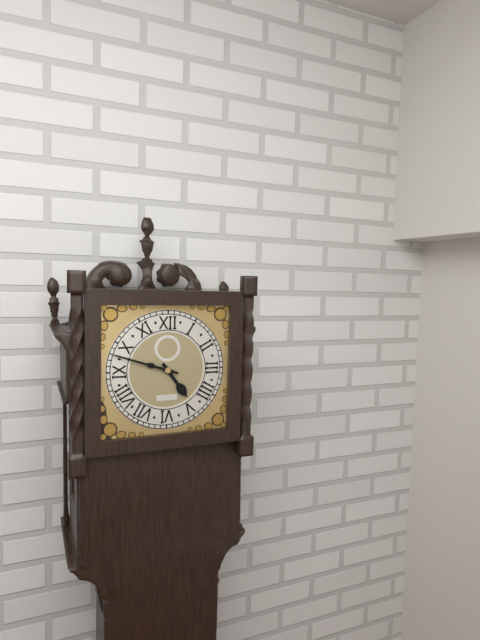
4:48
